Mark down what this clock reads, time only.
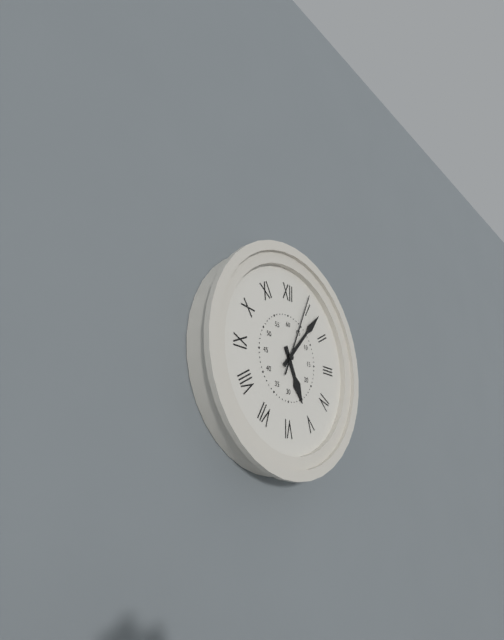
5:07:04
